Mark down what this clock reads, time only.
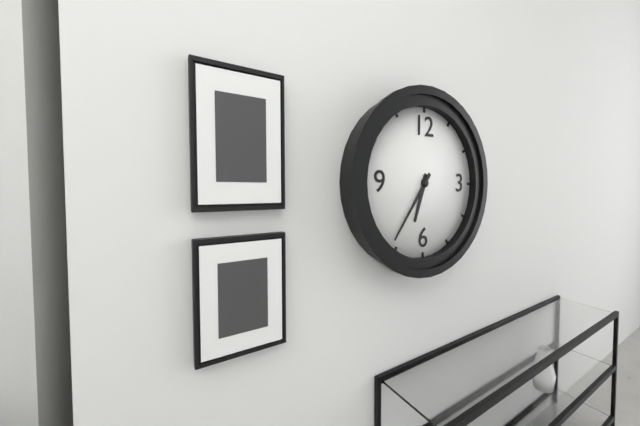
6:36
